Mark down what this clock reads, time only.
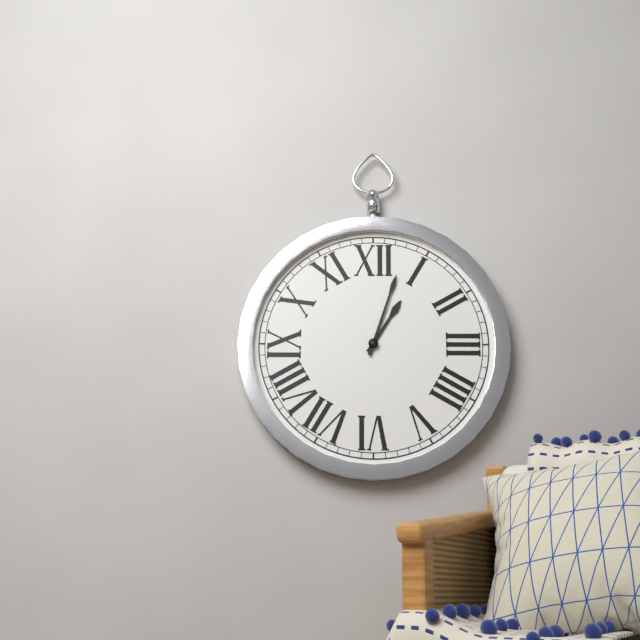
1:03
